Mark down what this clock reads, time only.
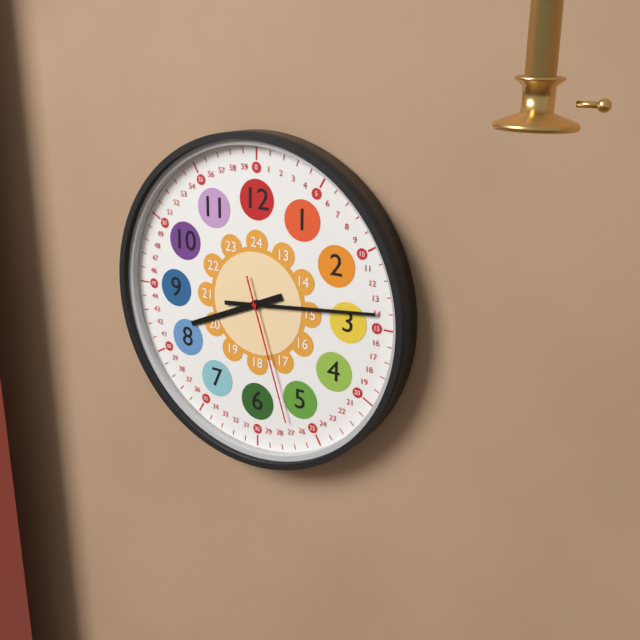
8:14:27
